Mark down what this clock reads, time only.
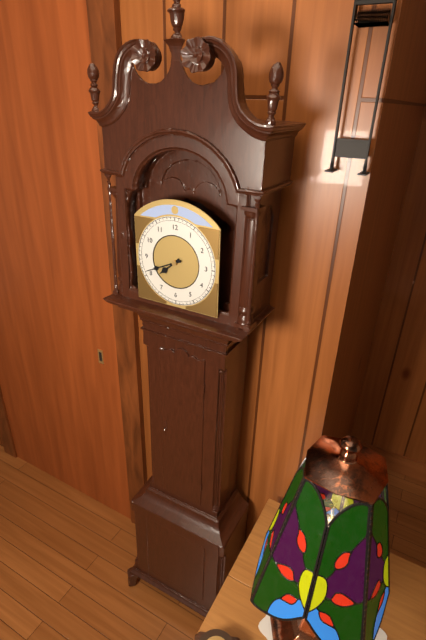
7:41
